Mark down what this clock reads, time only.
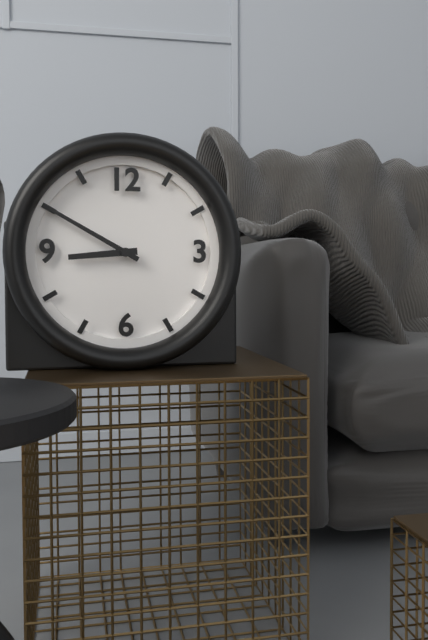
8:50
